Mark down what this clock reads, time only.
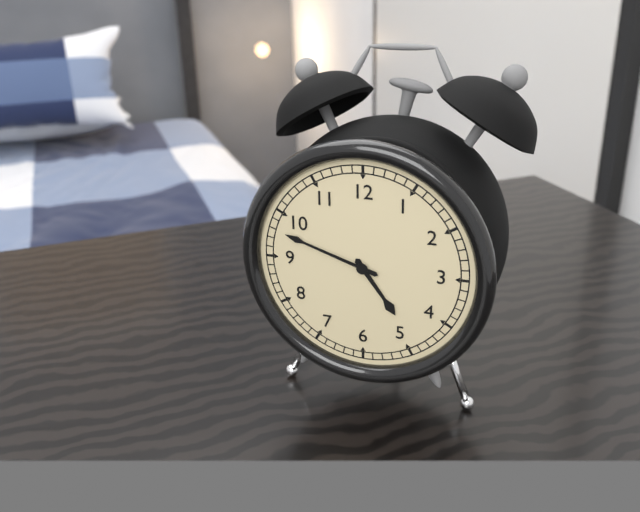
4:48
